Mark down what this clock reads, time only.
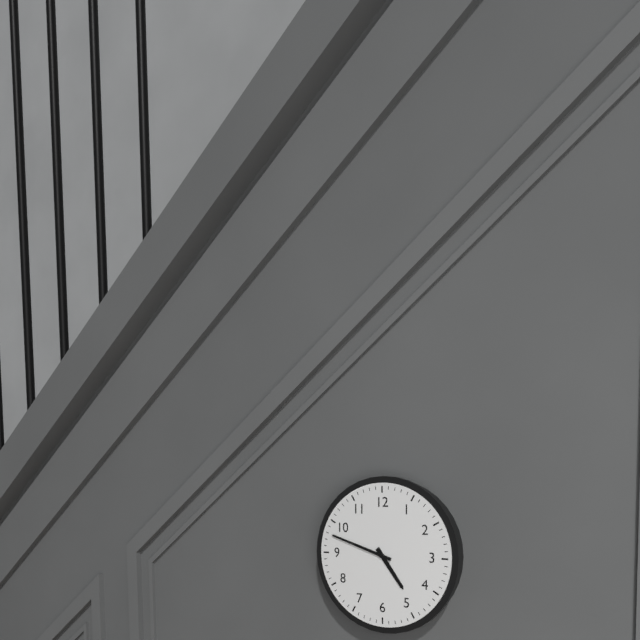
4:48
